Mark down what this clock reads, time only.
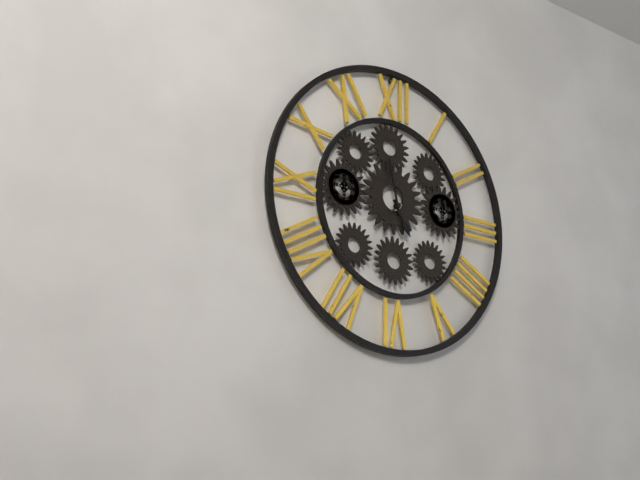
4:58
